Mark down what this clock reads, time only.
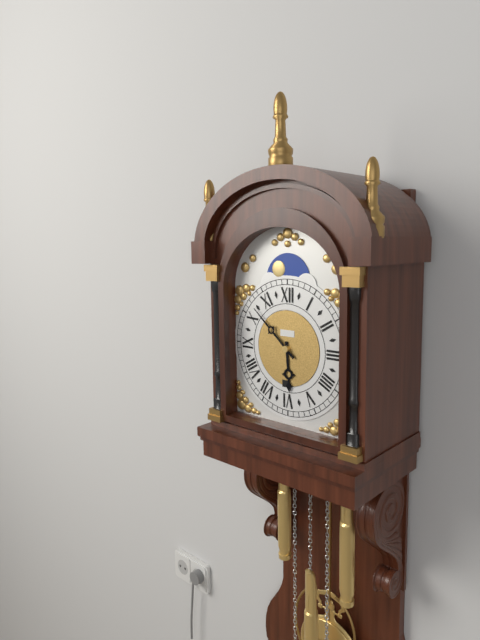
5:52
